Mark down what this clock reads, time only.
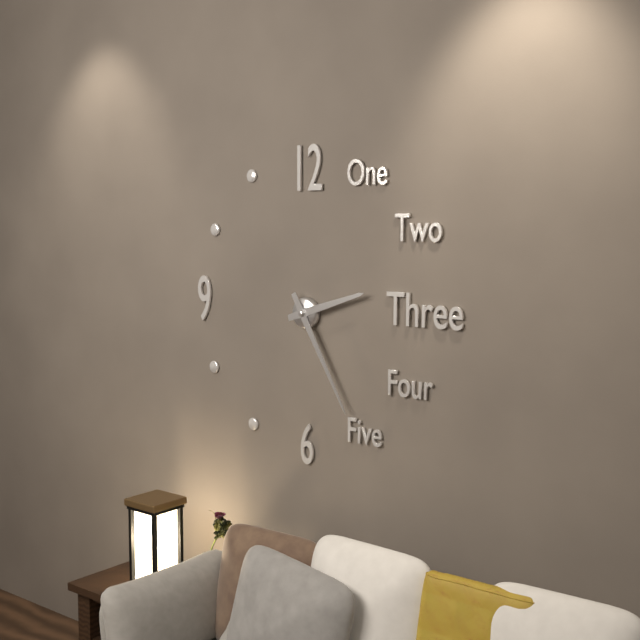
2:25
